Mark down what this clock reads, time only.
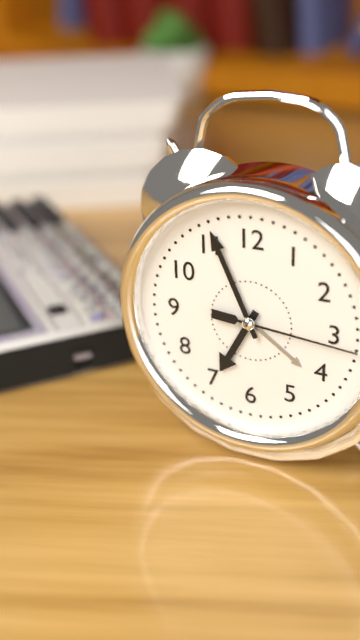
6:56:16
